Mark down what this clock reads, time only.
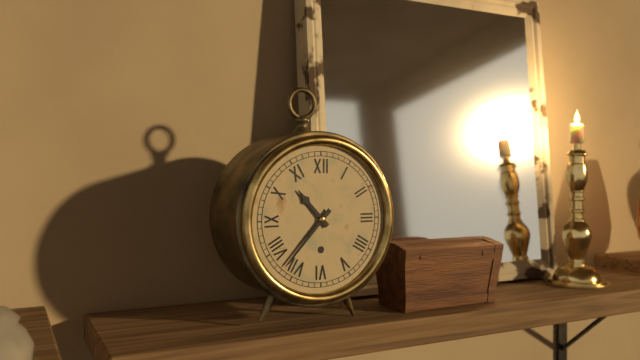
10:37
